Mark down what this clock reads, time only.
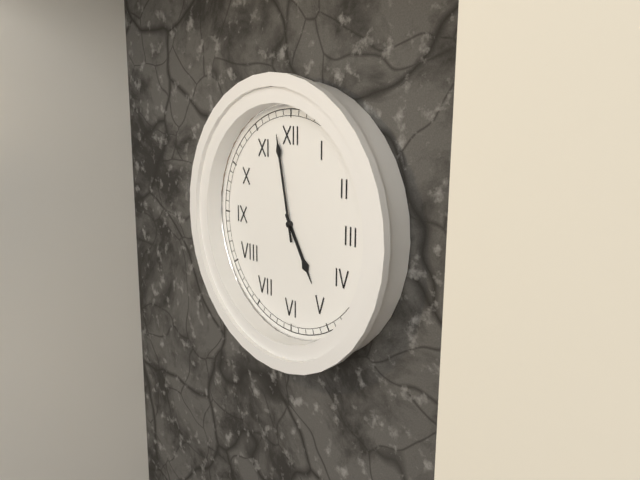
4:58
